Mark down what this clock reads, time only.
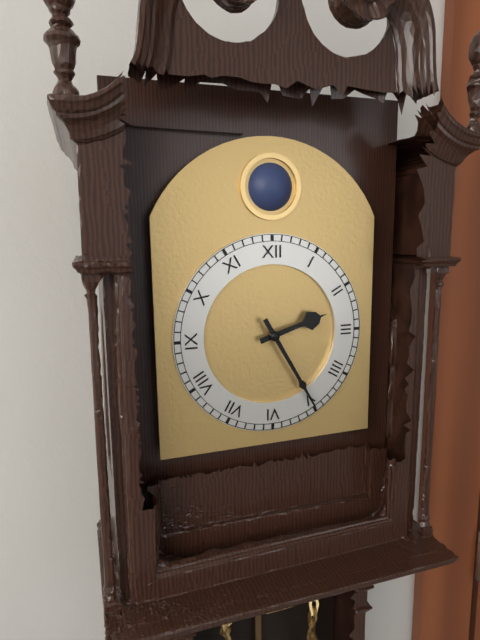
2:25
